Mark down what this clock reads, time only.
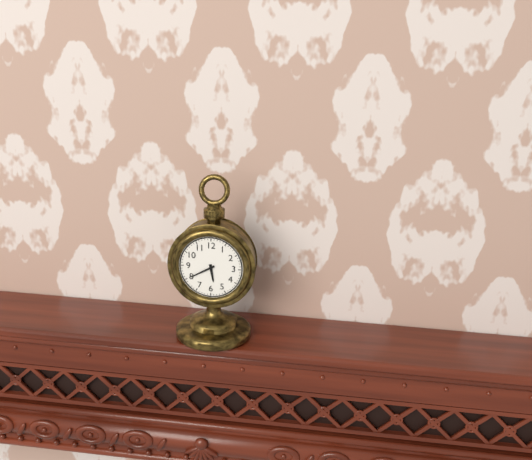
5:40
